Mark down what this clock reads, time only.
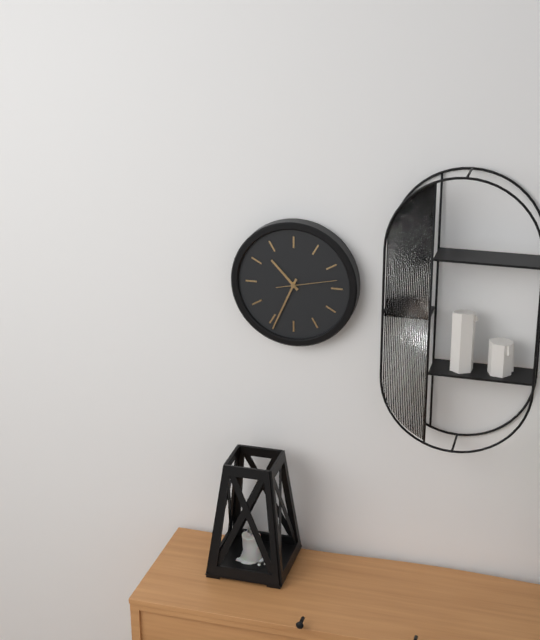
10:34:13
